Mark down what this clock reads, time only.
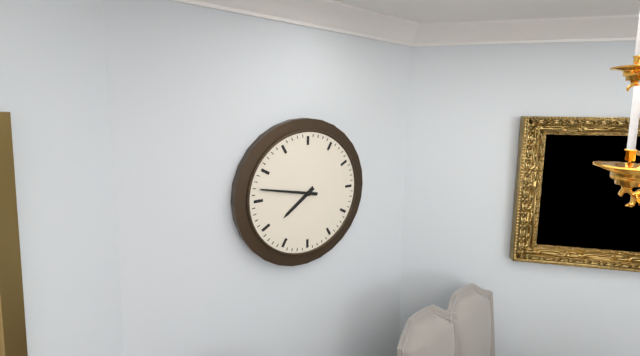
7:47
